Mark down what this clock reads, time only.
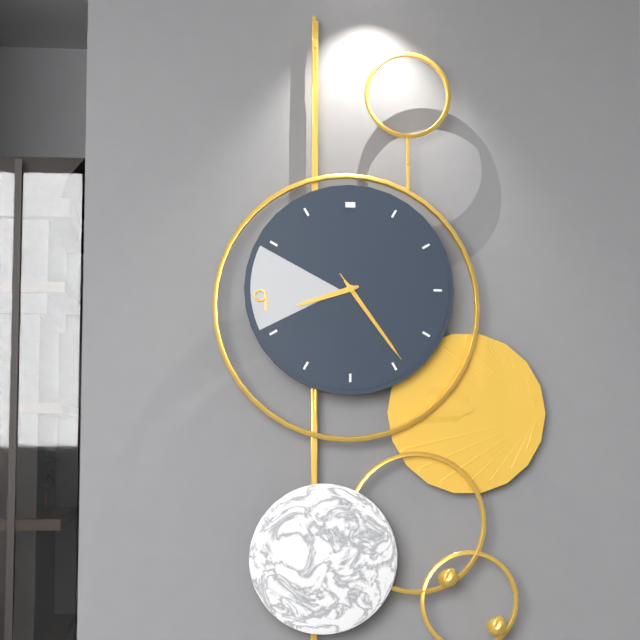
8:24:24
